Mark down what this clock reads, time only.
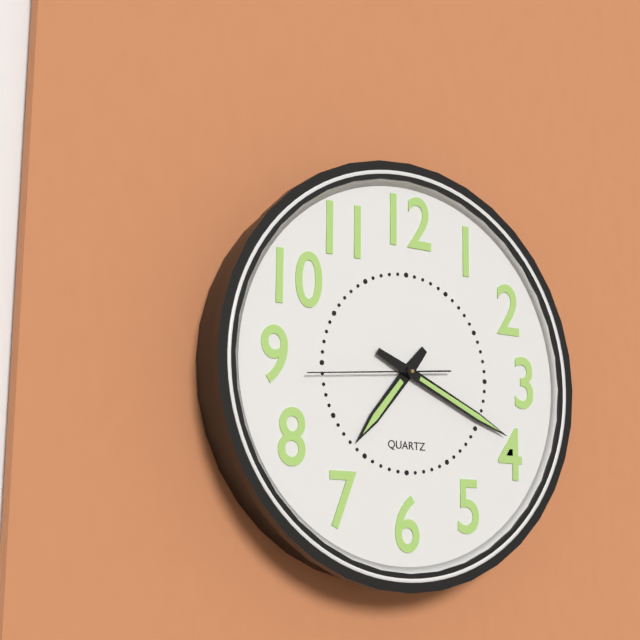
7:19:44
